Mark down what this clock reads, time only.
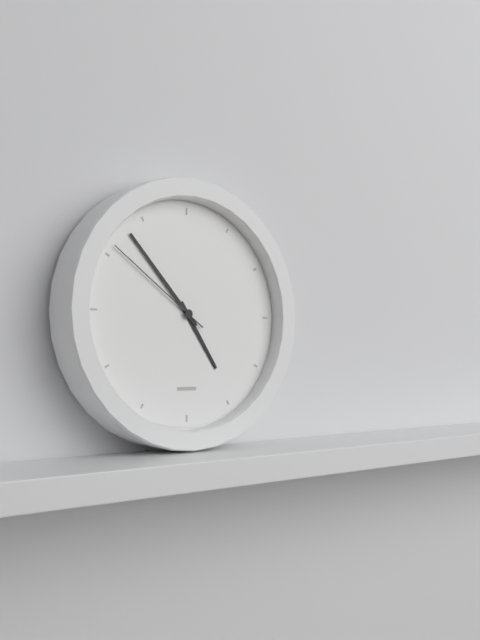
4:53:51
